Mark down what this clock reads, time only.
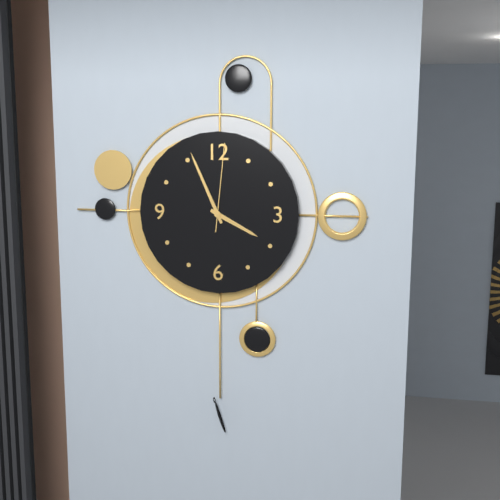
3:56:01
